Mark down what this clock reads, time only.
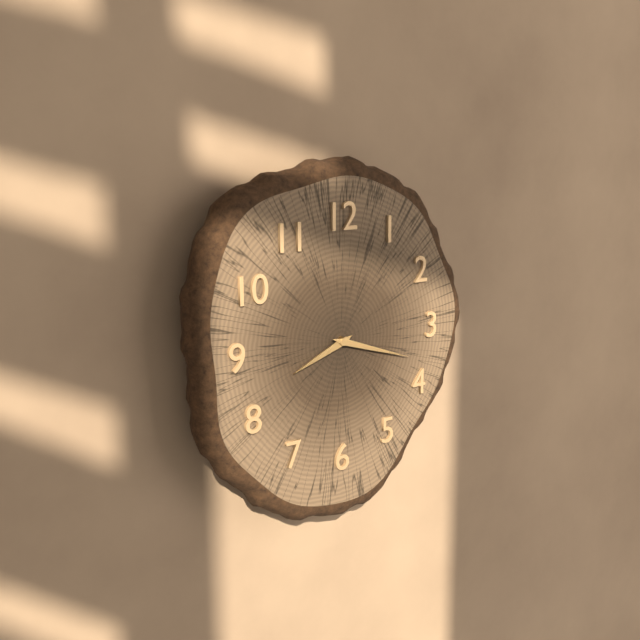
8:18
